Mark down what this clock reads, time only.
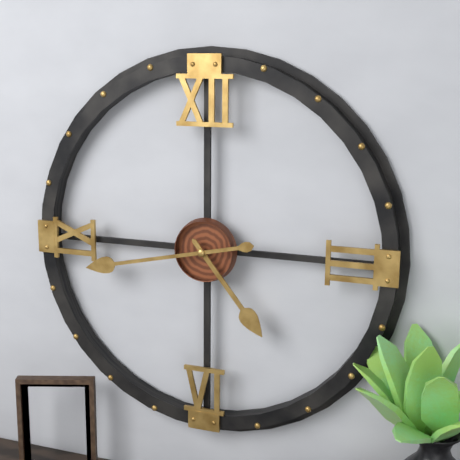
4:43
